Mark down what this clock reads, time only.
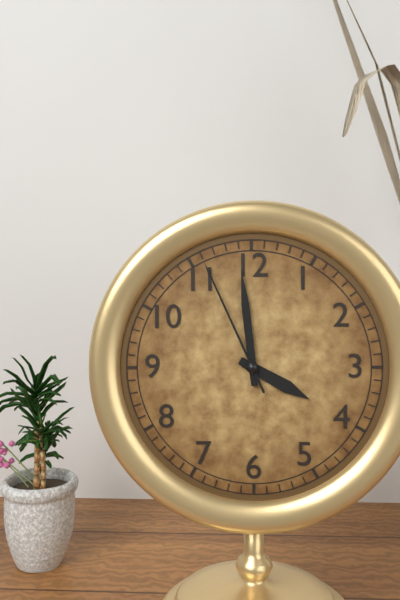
3:59:56
